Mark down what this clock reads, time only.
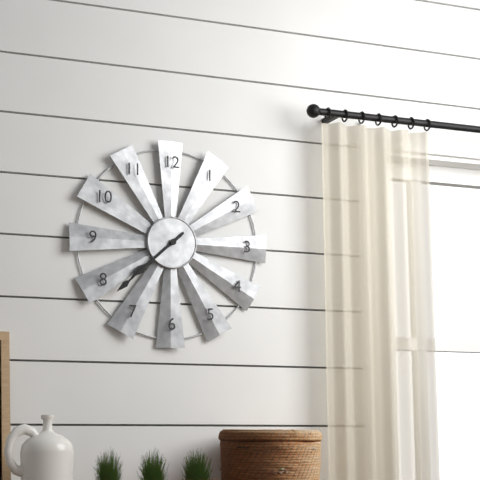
7:38
